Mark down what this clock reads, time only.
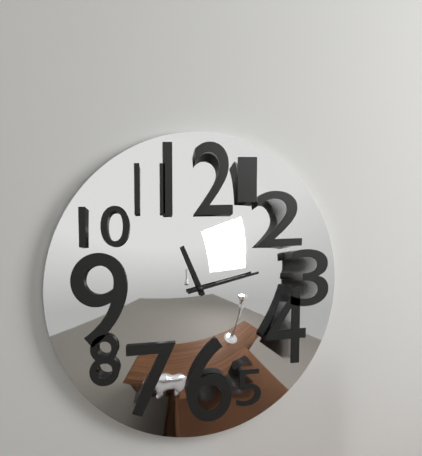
11:13
